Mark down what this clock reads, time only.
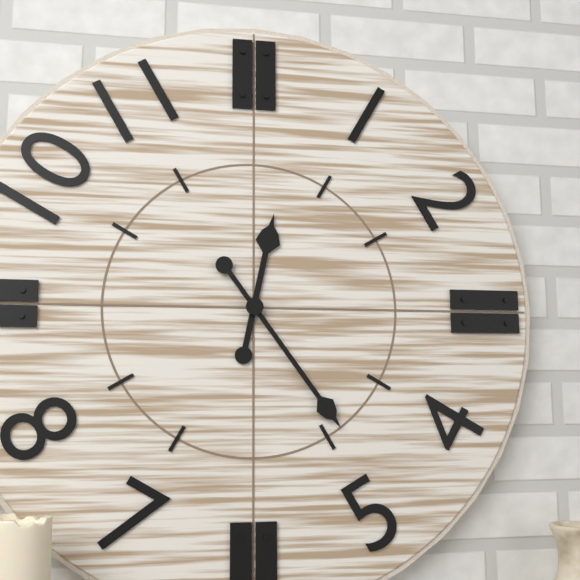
12:24
